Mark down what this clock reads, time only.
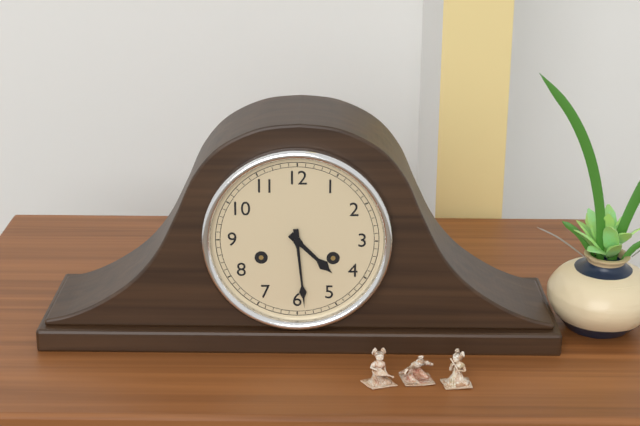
4:29
